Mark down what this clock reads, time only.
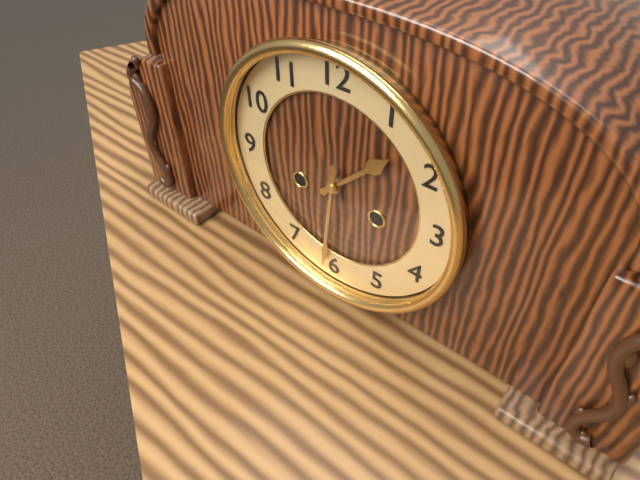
1:31
